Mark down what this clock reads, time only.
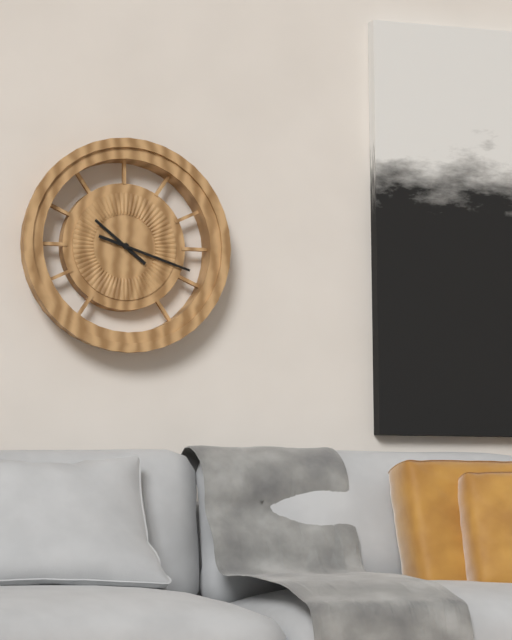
10:18
